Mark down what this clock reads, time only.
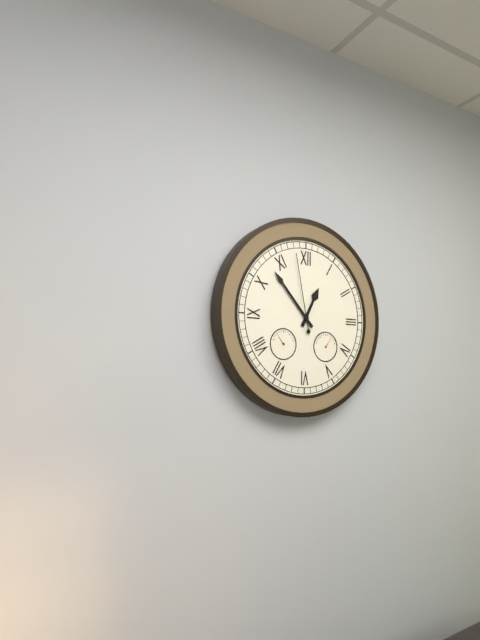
12:53:58
